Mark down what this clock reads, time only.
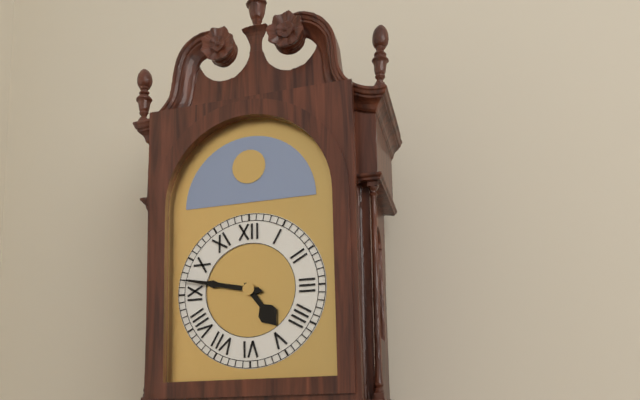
4:47
